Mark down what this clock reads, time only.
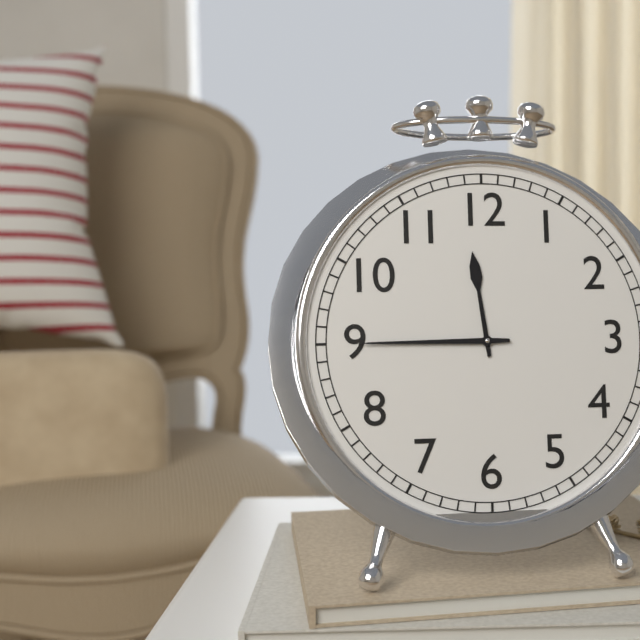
11:45
